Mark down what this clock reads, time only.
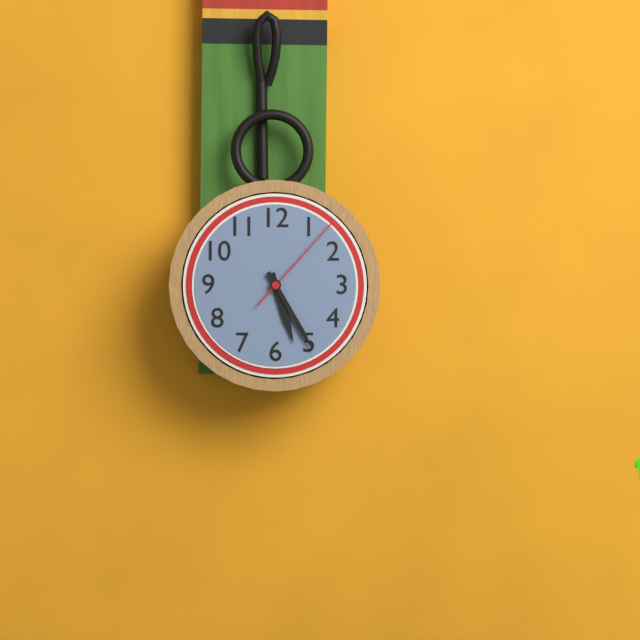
5:25:07
